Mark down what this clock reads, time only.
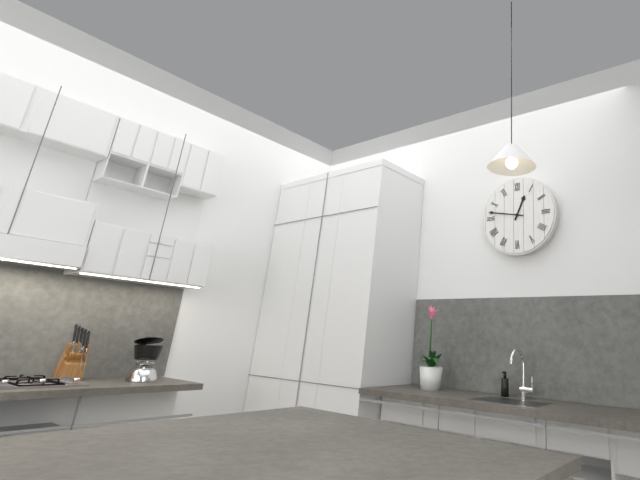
12:47
